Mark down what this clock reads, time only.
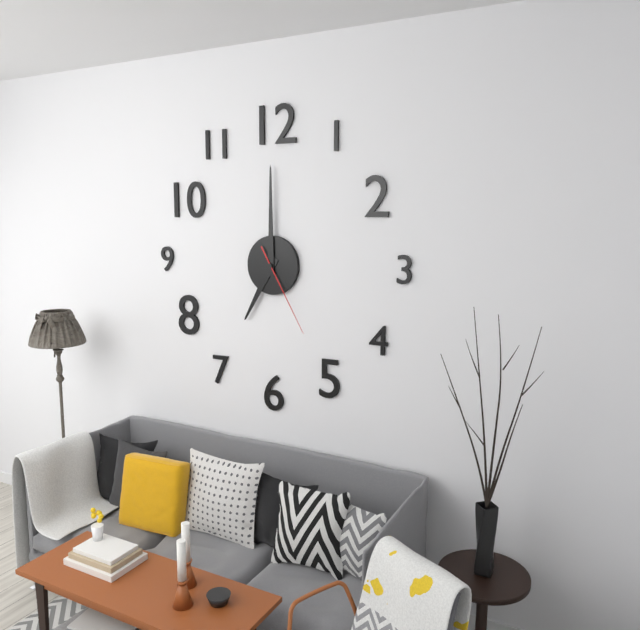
7:00:25
